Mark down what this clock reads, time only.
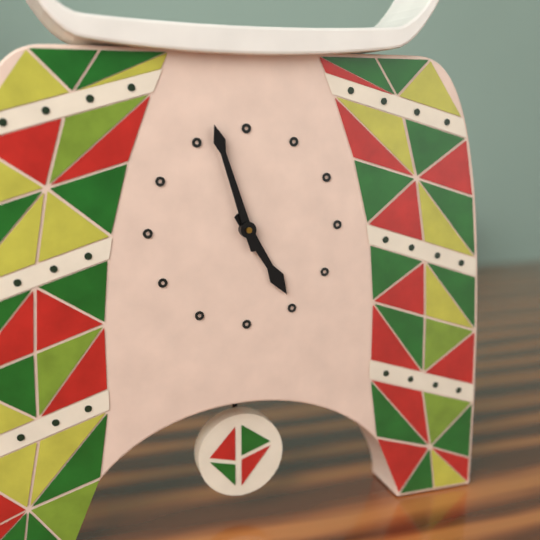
4:57
